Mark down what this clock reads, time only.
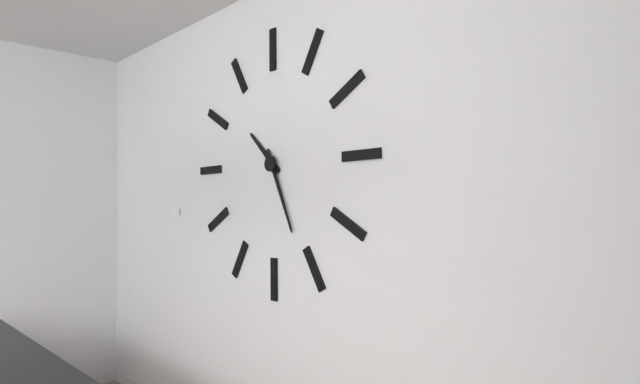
10:26
